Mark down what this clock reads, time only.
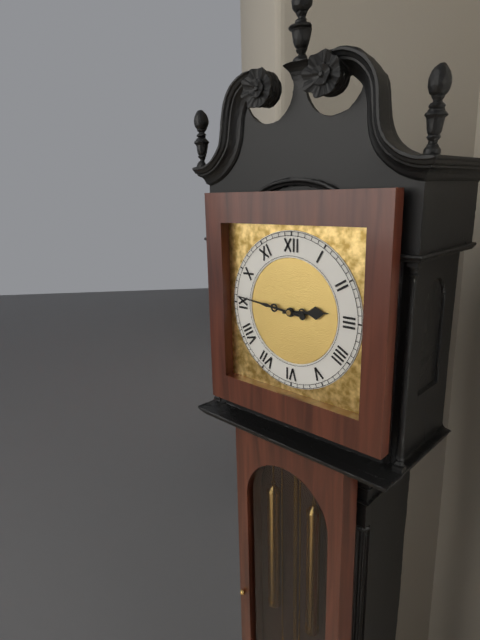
2:46
